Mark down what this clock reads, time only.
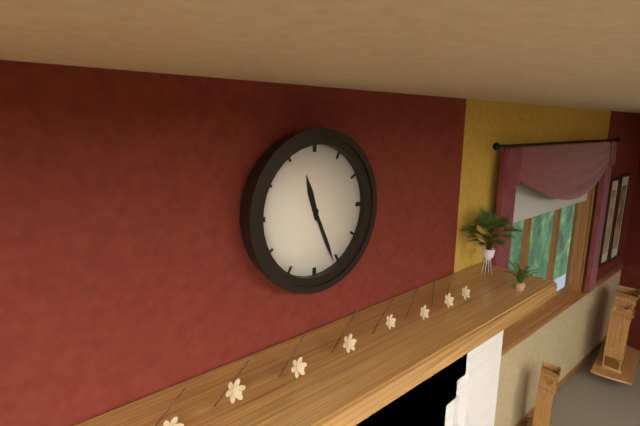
11:26
